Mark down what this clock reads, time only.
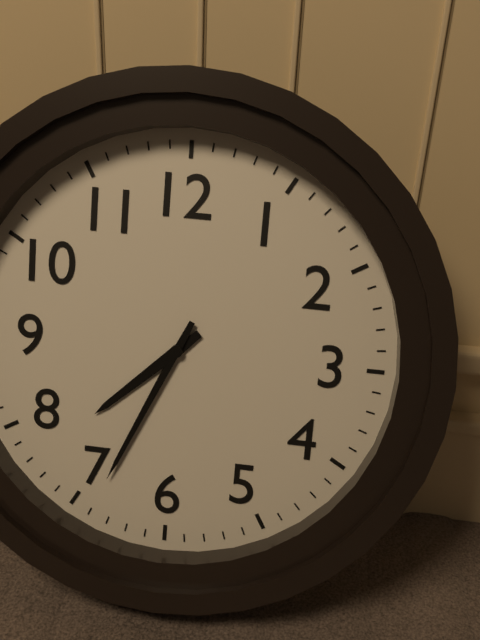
7:34
